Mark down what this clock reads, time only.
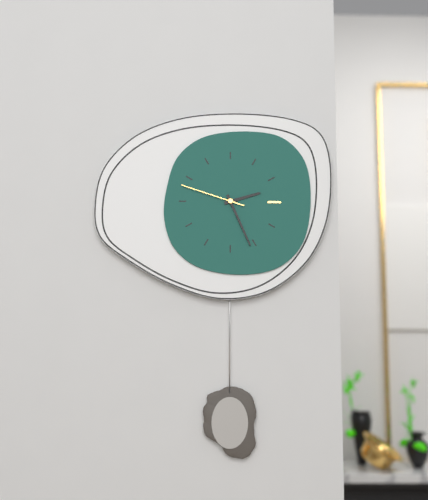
2:26:48
